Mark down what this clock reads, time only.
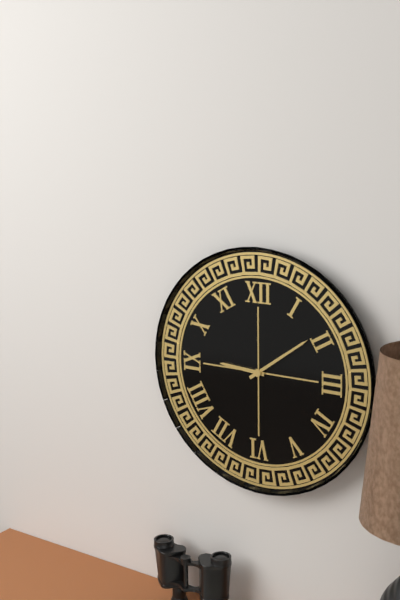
9:09
